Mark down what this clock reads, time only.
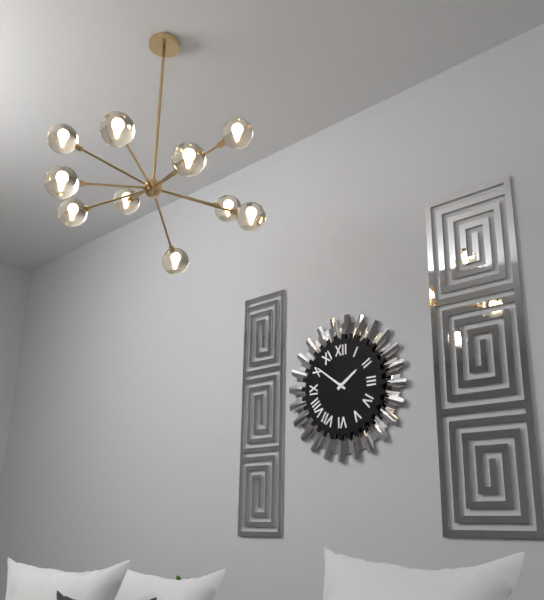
1:51
